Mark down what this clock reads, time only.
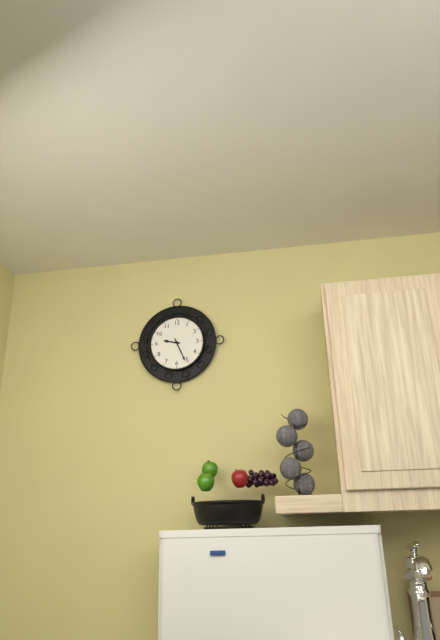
9:26
